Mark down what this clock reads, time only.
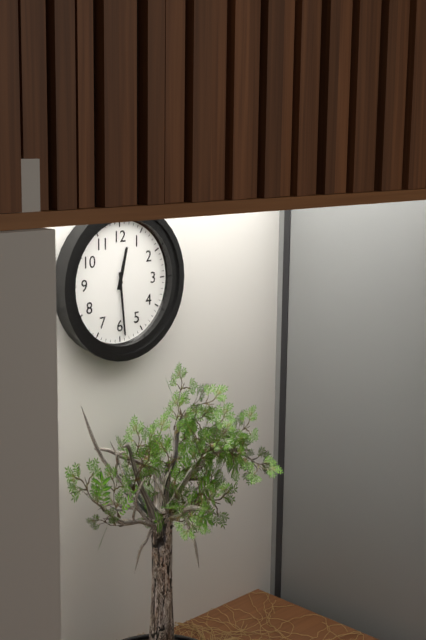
12:29
